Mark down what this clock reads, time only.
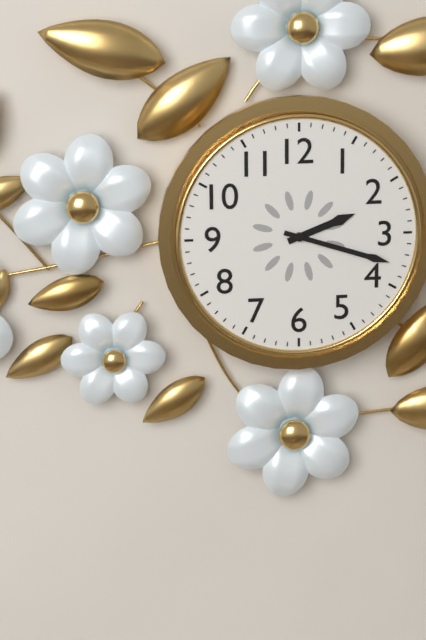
2:18
